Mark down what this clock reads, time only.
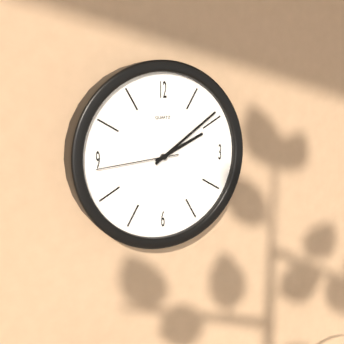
2:09:44
